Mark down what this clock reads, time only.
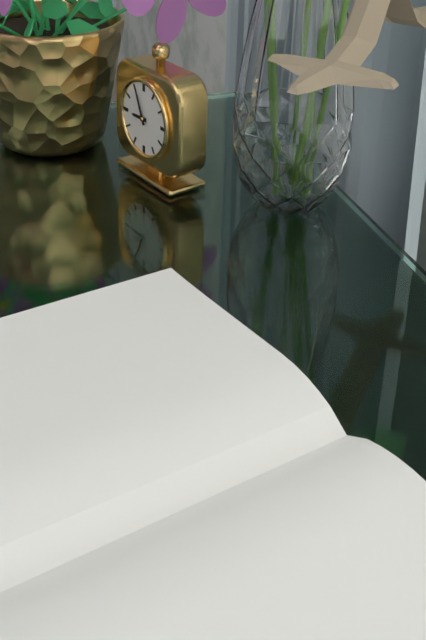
8:56
